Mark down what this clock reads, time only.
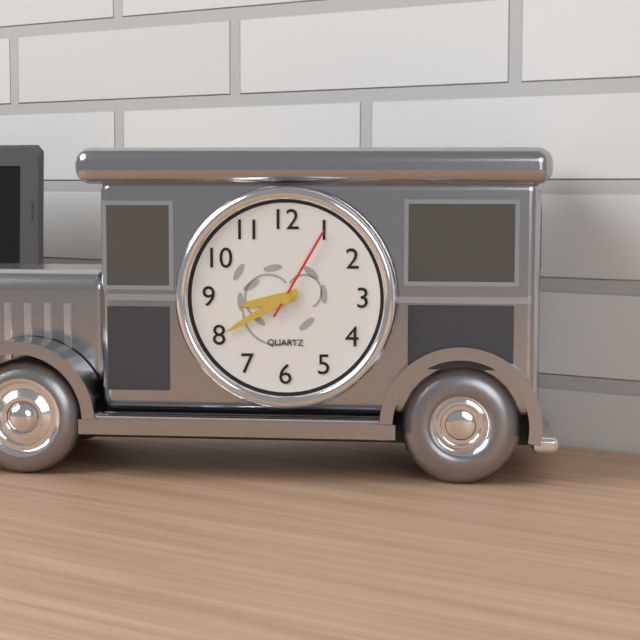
8:40:05
